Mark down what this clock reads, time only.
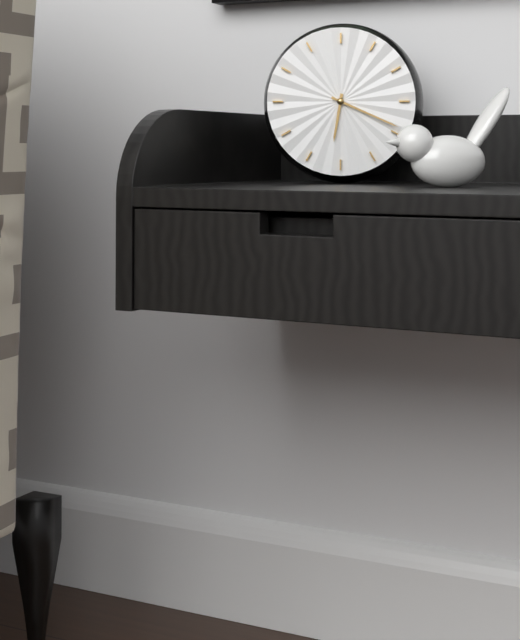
6:19
